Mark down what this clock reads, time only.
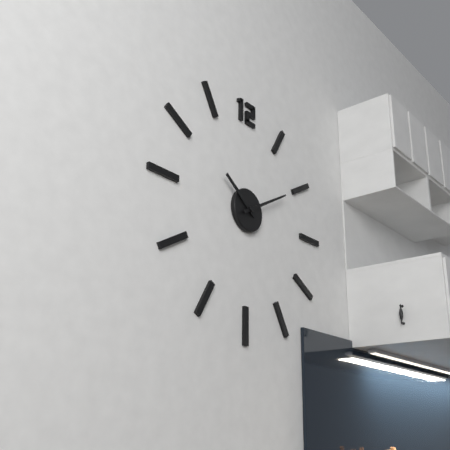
10:10
